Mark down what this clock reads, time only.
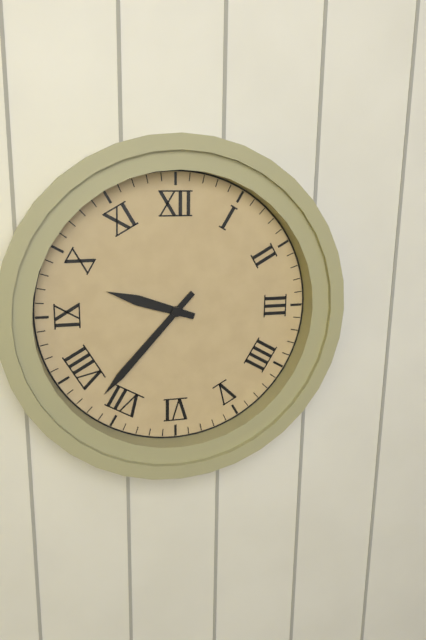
9:37
